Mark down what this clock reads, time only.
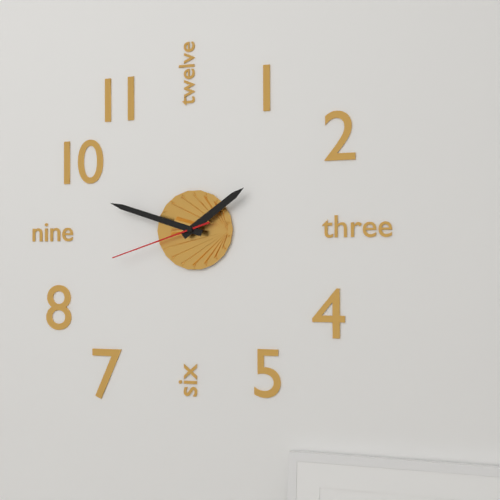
1:48:42
